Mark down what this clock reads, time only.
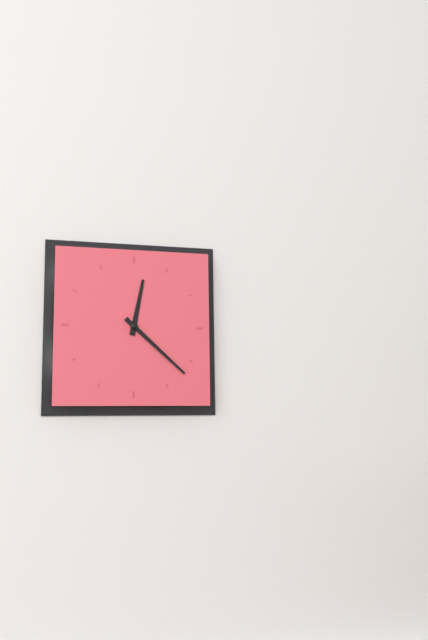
12:22
